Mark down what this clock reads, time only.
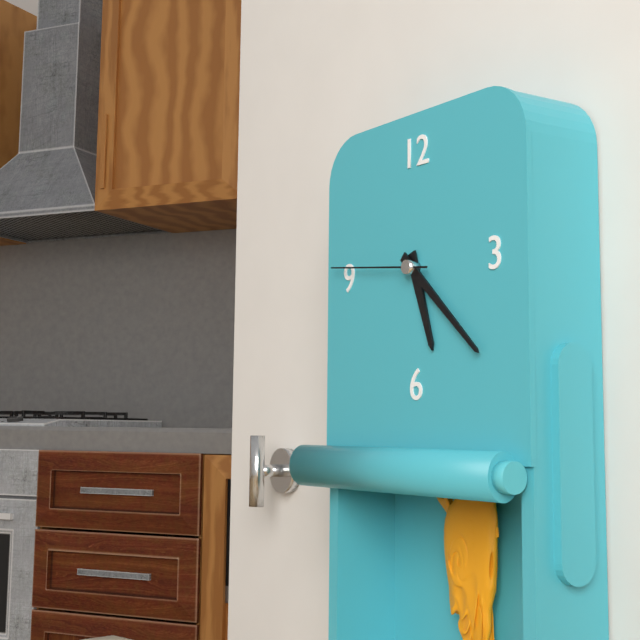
5:22:46
